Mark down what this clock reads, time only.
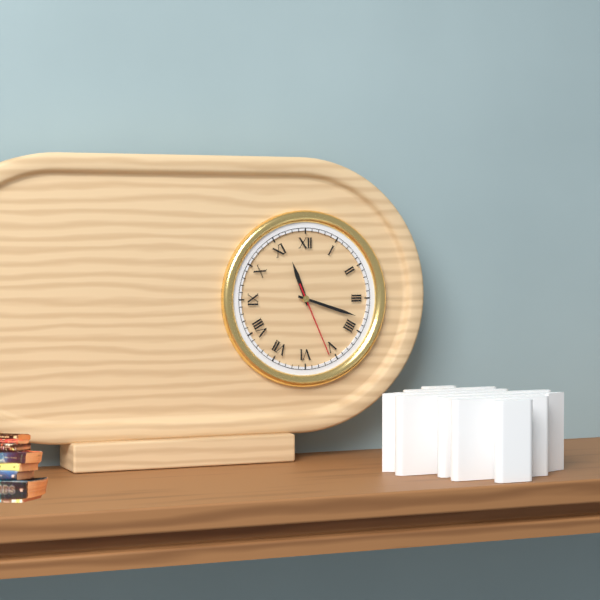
11:18:26
